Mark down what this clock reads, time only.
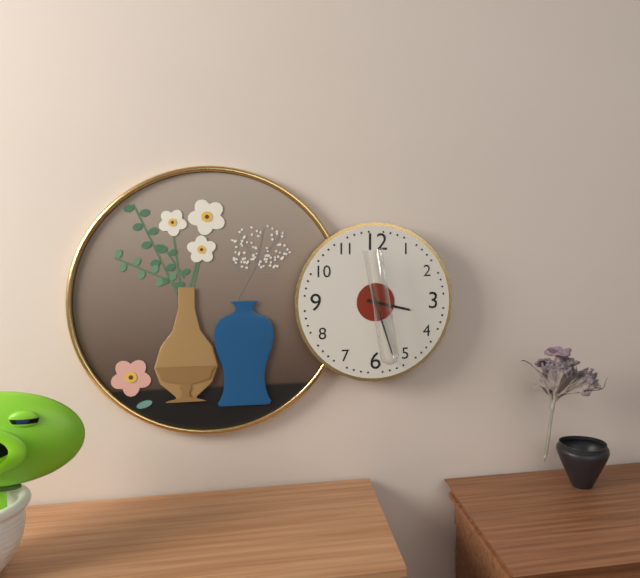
3:27
